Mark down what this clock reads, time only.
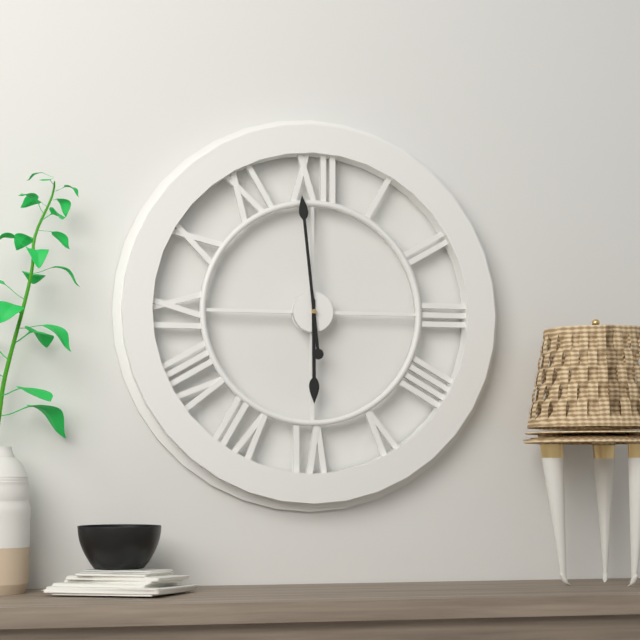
5:59
